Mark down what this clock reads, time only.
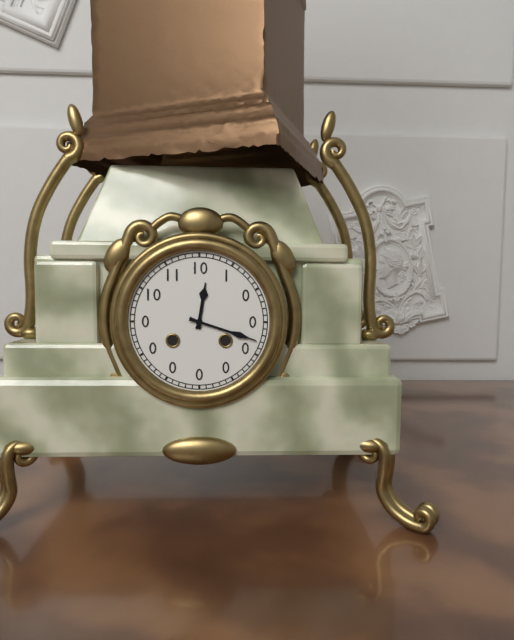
12:18
